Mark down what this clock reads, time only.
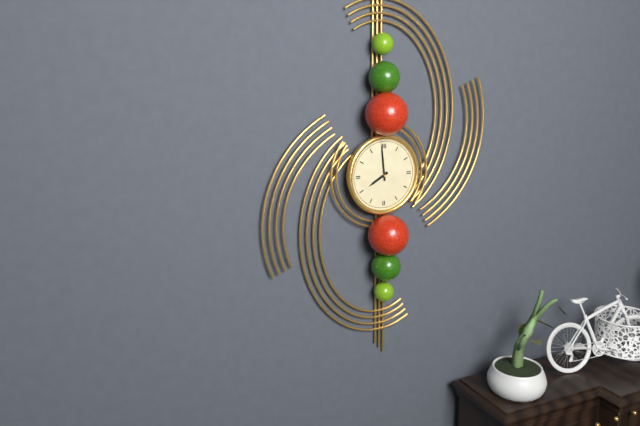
7:59
